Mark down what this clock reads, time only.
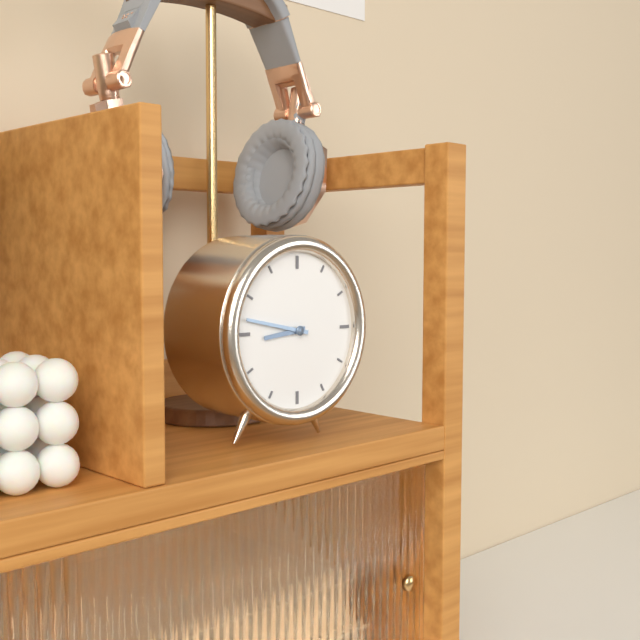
8:47
